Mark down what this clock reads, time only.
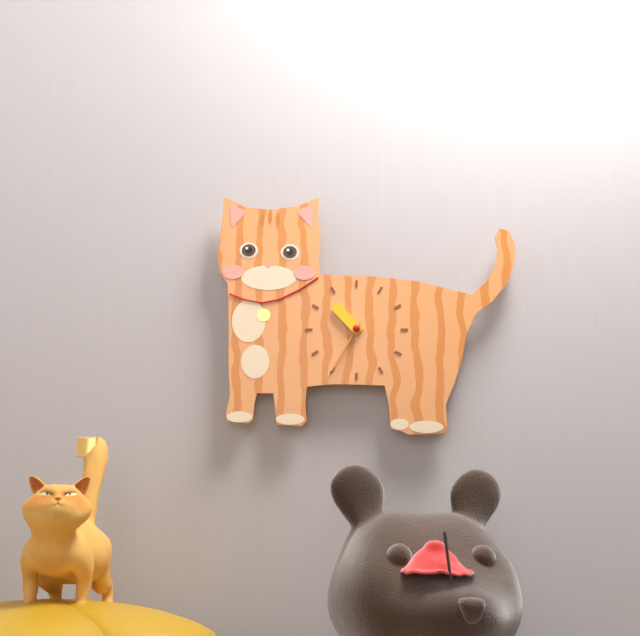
10:35
